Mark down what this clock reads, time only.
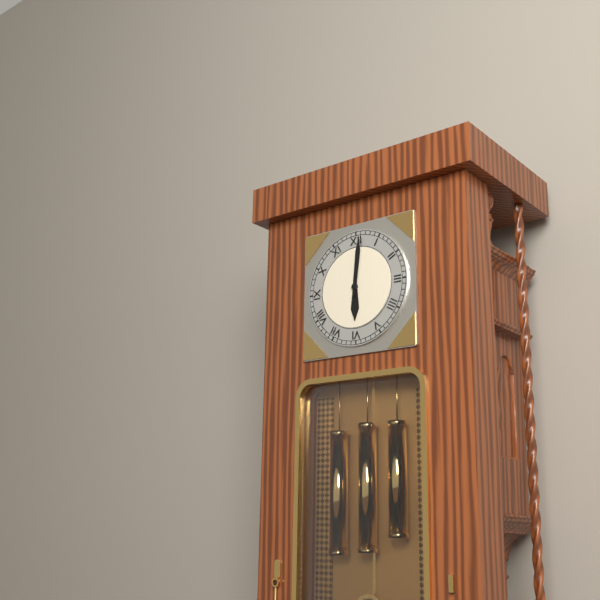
6:01
